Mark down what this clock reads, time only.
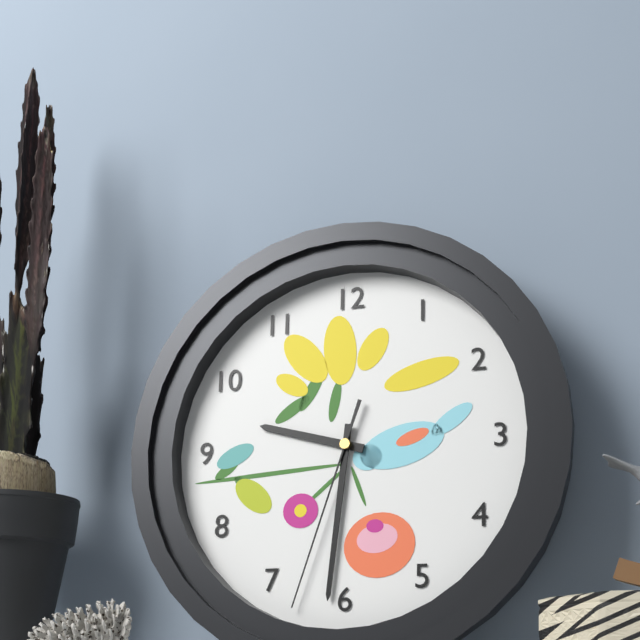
9:31:33
